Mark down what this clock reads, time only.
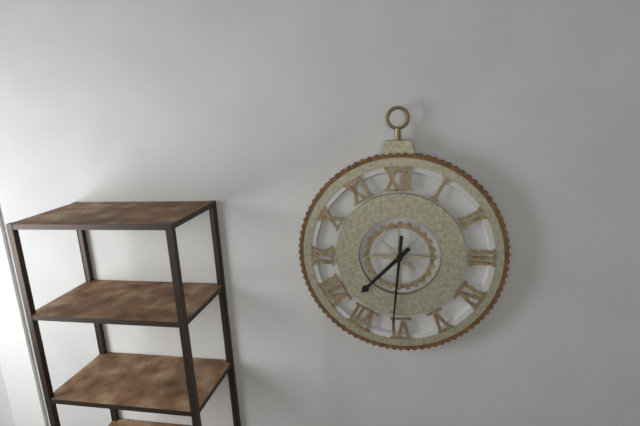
7:31
